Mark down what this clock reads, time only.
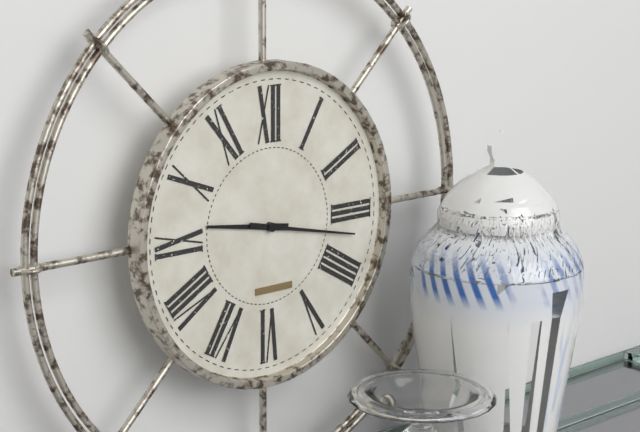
9:17
